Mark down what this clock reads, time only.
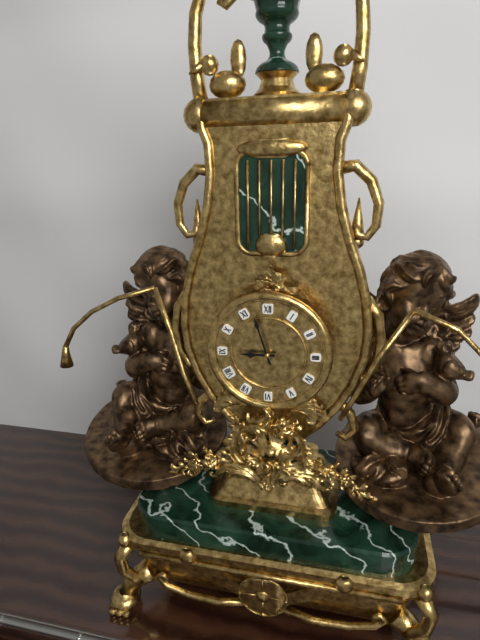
8:57
